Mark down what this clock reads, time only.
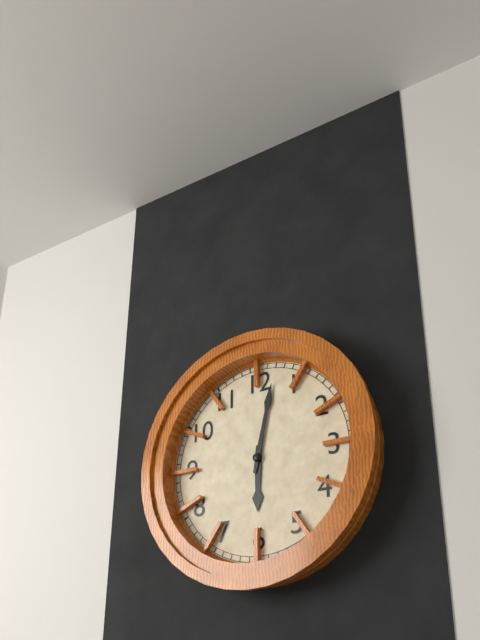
6:02
